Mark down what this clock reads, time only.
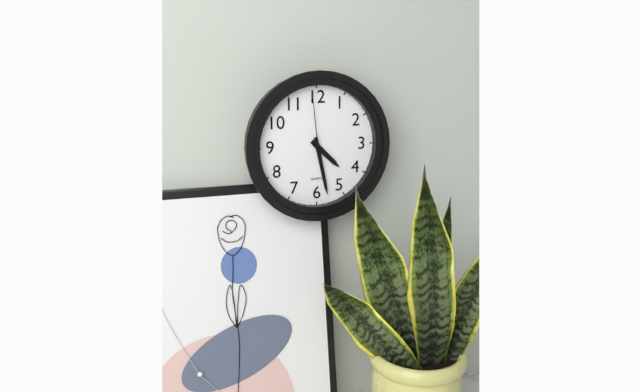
4:28:59
